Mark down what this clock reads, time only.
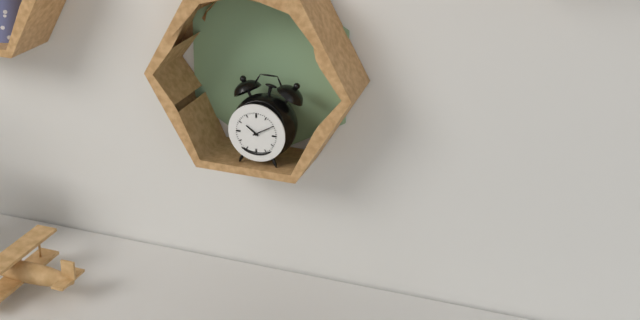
10:10
